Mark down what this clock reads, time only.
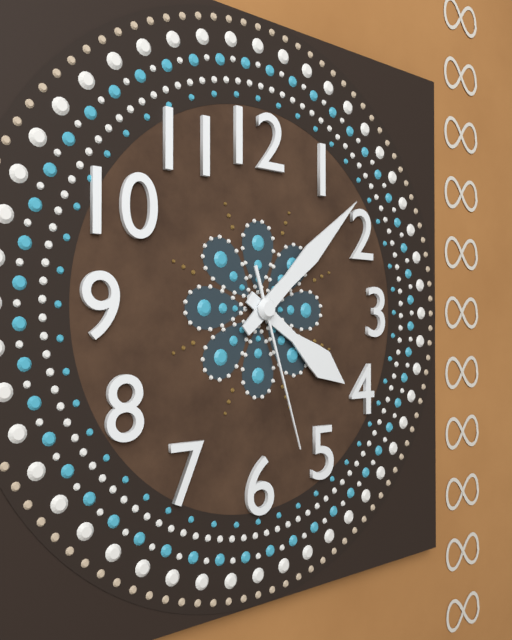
4:08:27
